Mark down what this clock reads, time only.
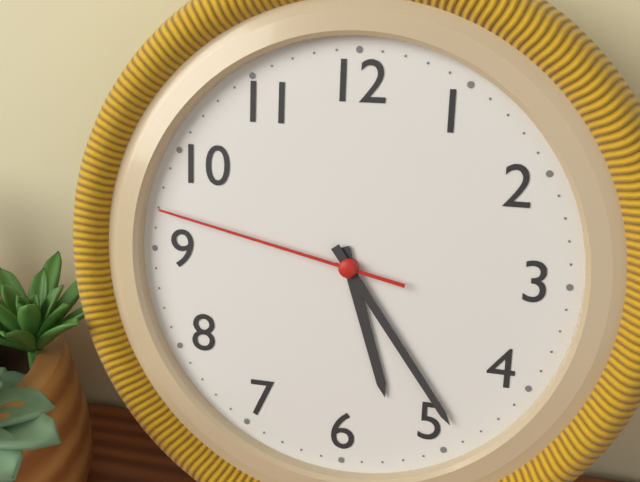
5:24:47
